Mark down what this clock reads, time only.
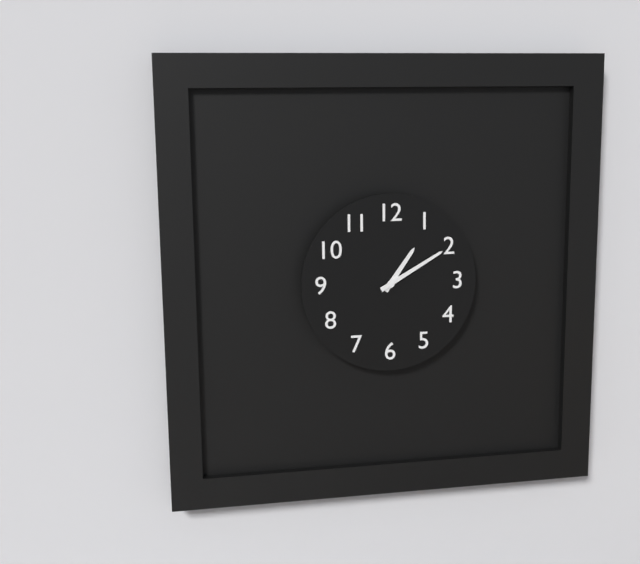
1:10
